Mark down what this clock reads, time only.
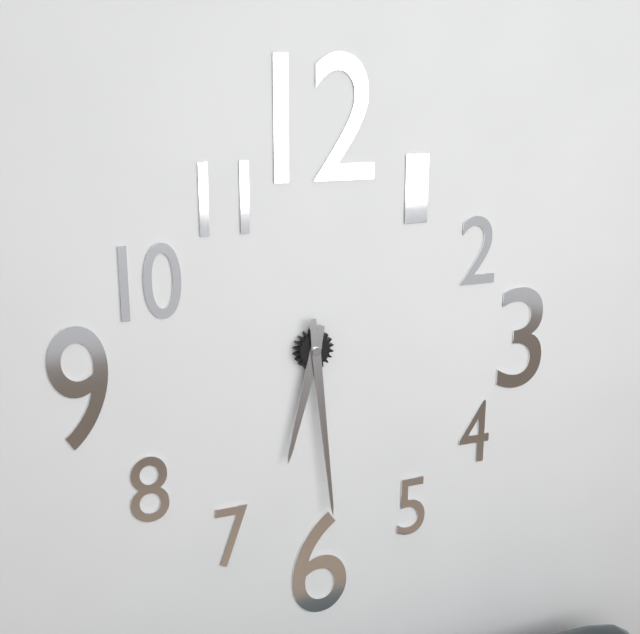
6:29
